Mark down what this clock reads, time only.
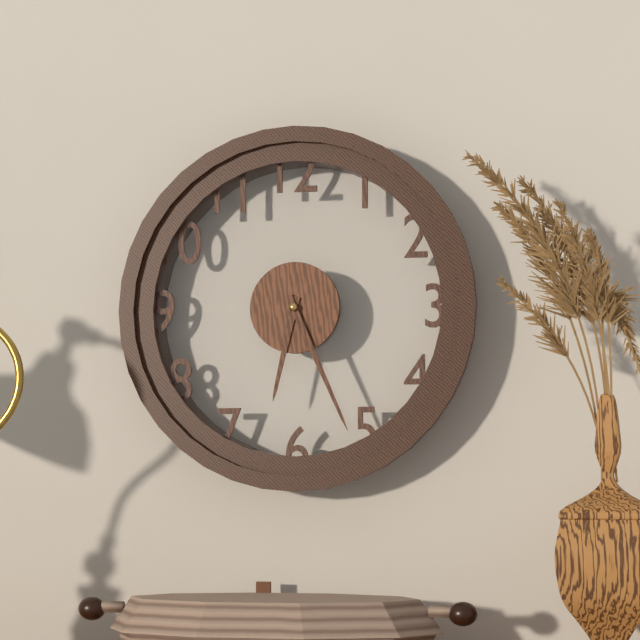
6:26
